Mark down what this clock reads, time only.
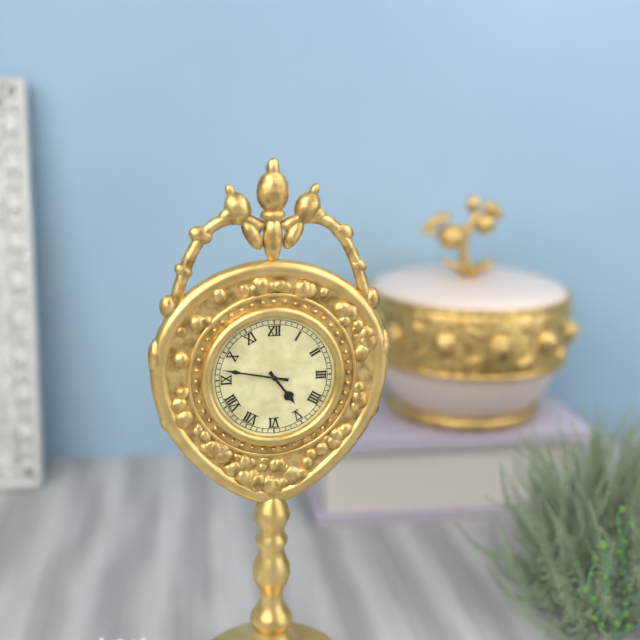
4:47
